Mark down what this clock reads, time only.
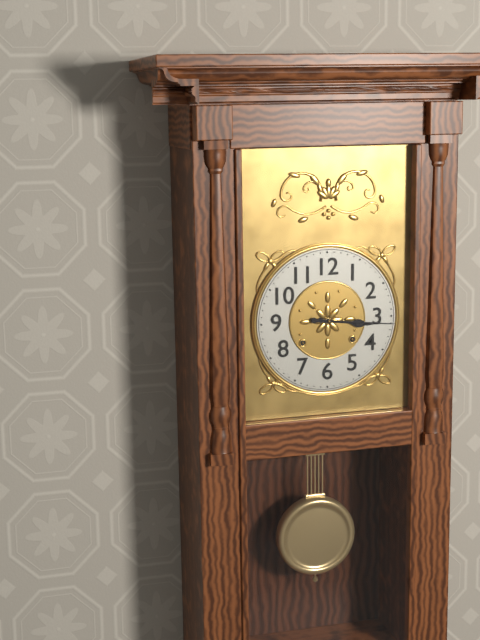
3:16
